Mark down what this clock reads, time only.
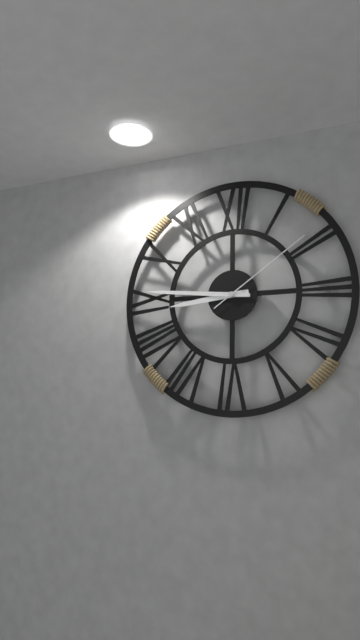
8:46:09
